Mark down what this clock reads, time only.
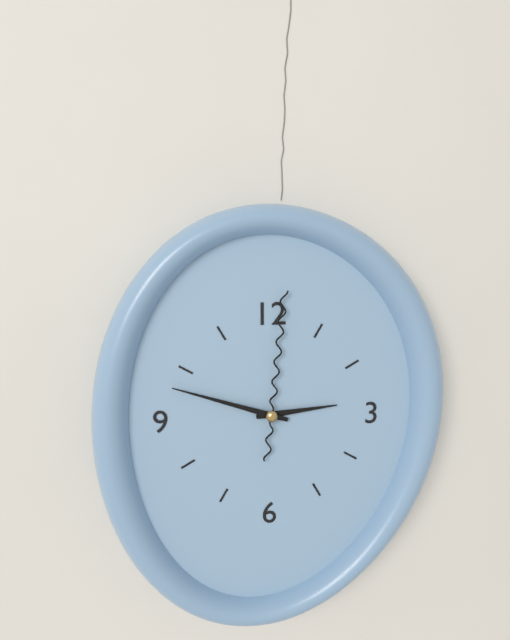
2:48:01
